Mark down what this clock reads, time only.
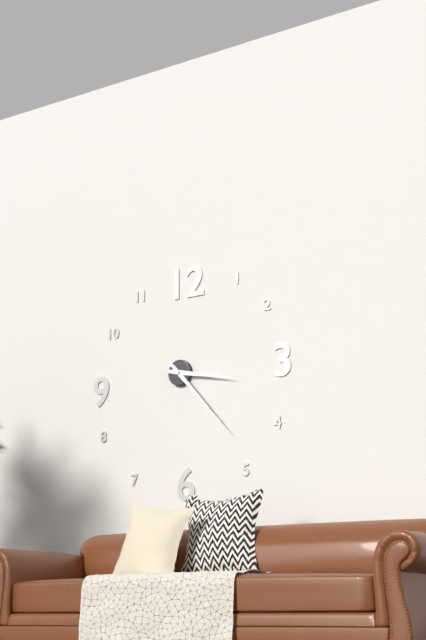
3:23
